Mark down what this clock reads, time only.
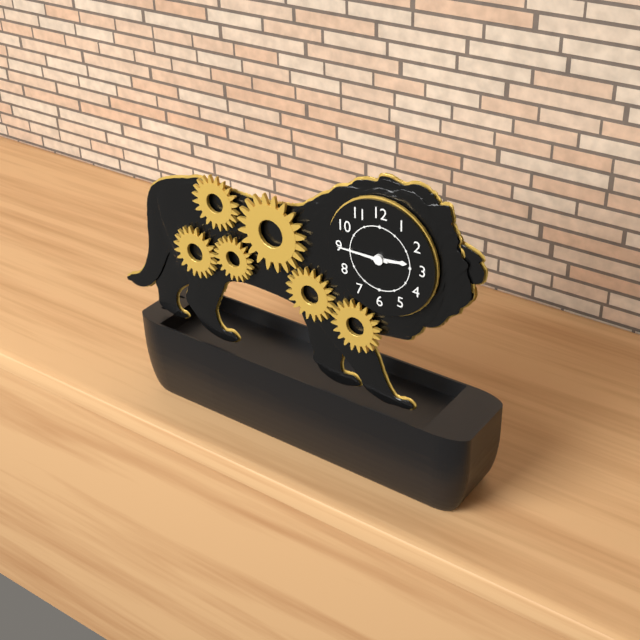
2:45
